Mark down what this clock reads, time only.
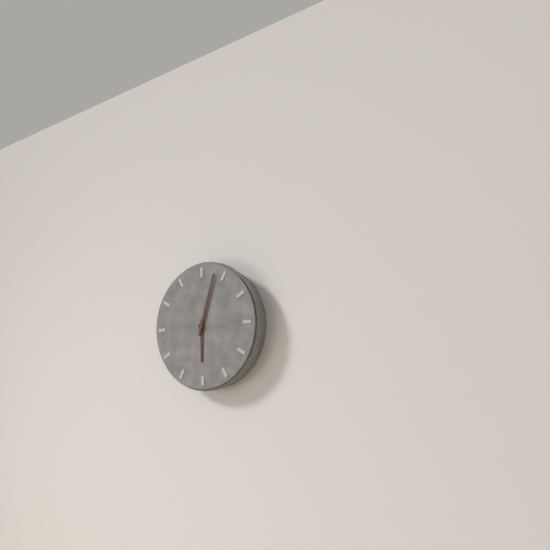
6:03
